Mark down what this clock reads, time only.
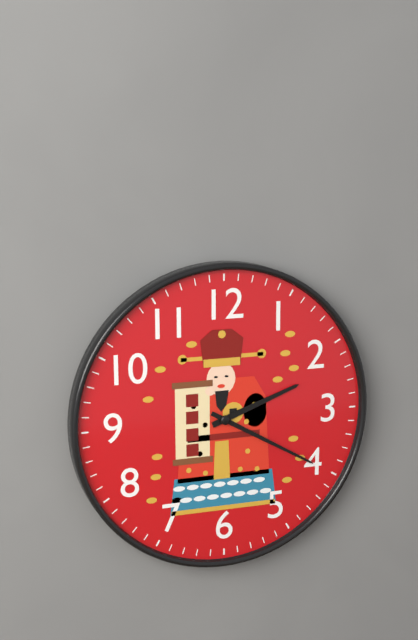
2:20
